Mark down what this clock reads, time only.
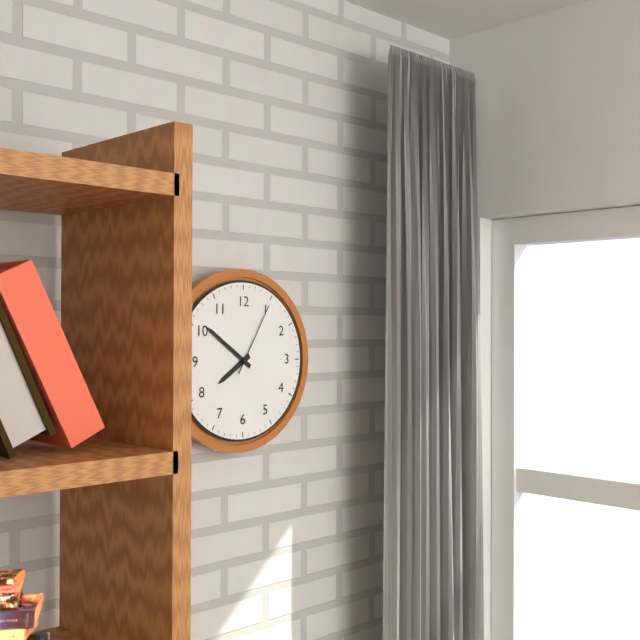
7:51:05
